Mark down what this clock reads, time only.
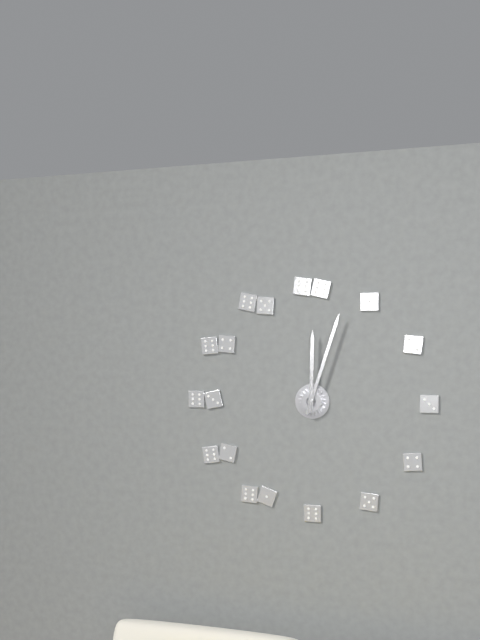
12:03
